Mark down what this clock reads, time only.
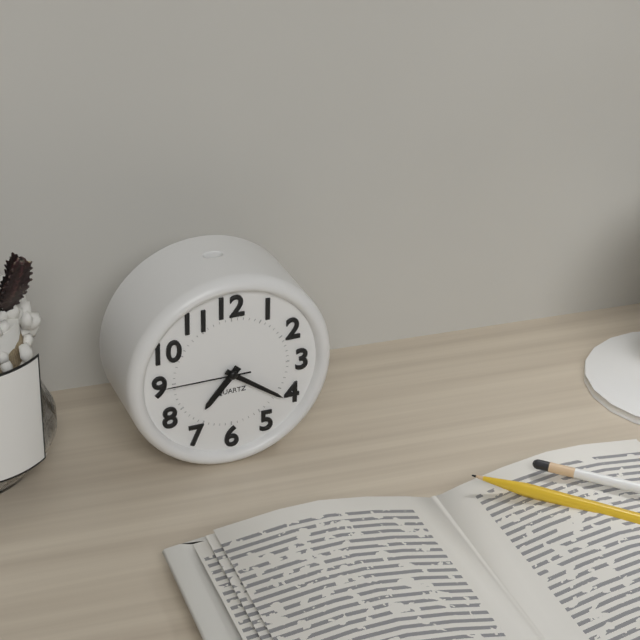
7:21:45
